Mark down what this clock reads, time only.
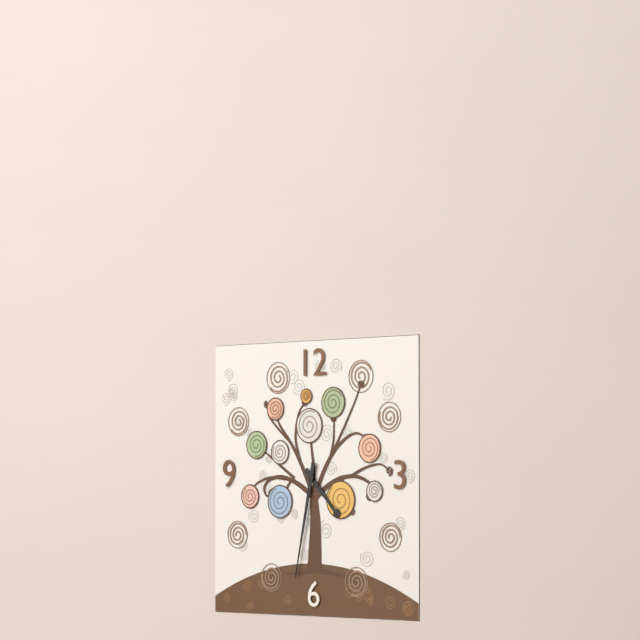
4:32
